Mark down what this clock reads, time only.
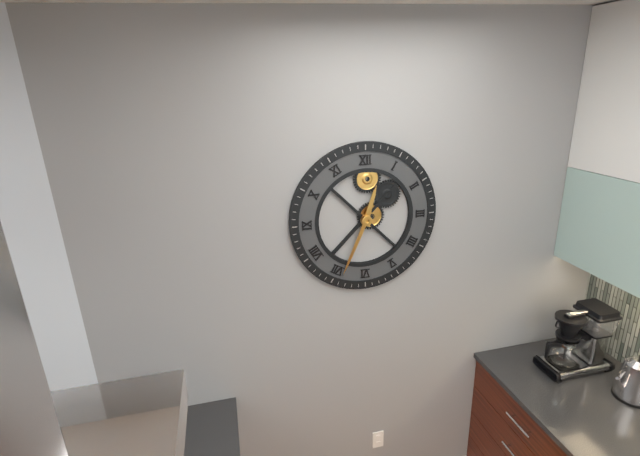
12:34
